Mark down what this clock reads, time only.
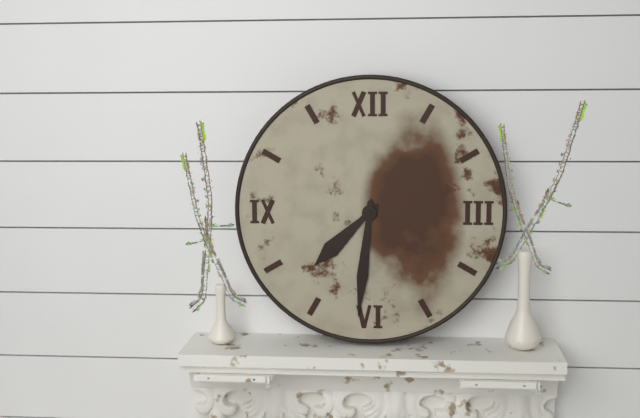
7:31
